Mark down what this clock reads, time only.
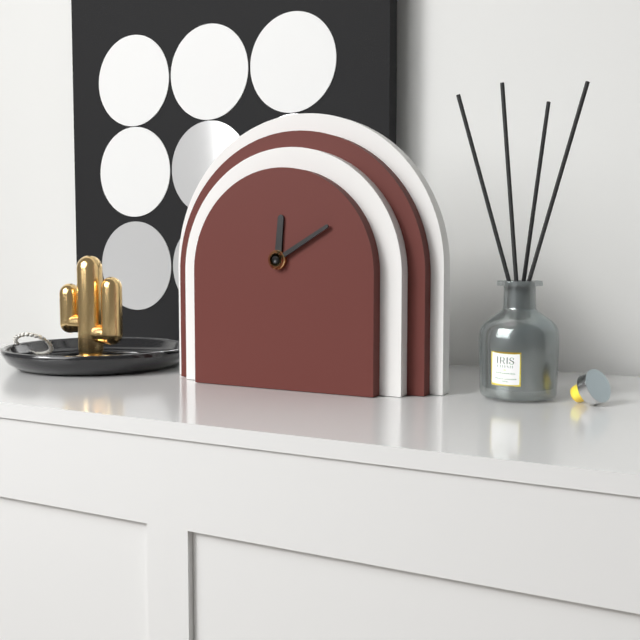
12:10
